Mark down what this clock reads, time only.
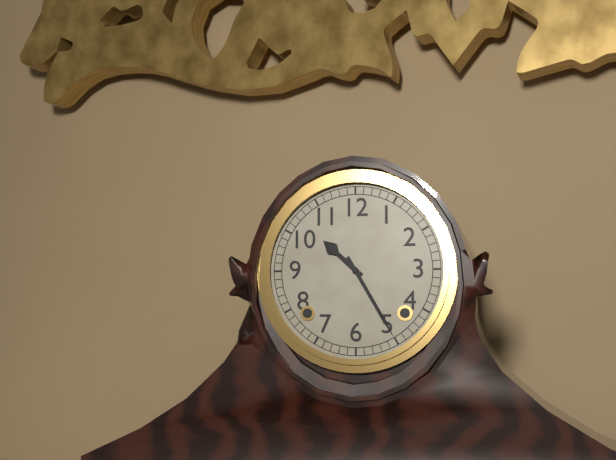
10:25
